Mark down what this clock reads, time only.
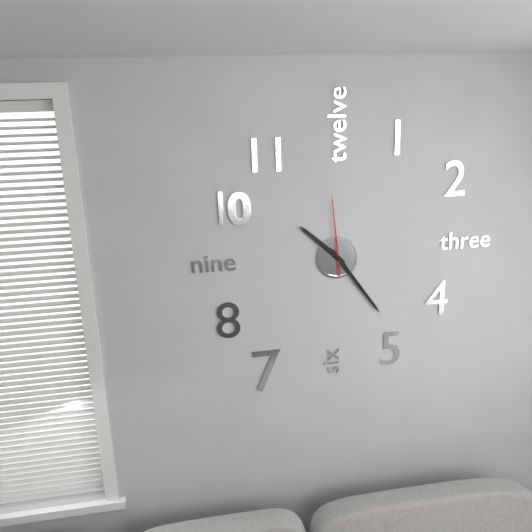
10:24:59
